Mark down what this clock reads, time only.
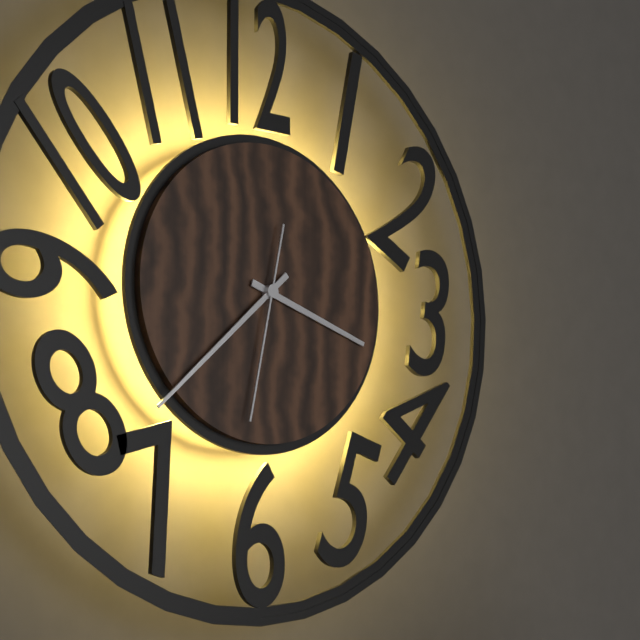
3:38:32
